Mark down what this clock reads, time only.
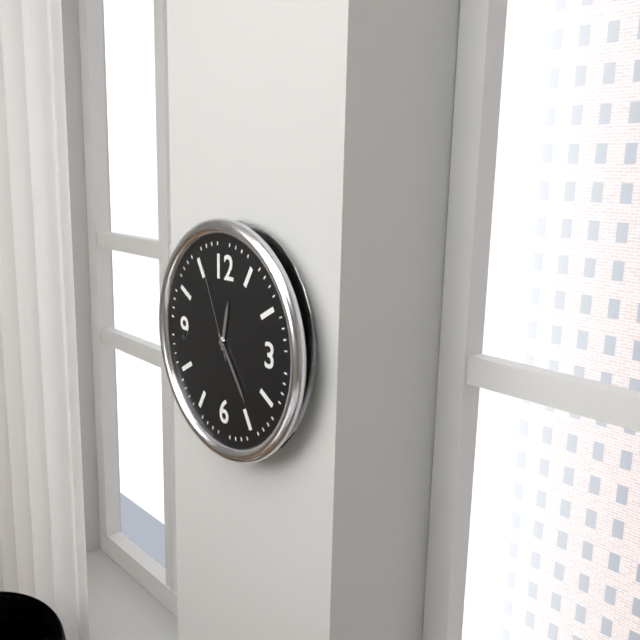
12:24:56
